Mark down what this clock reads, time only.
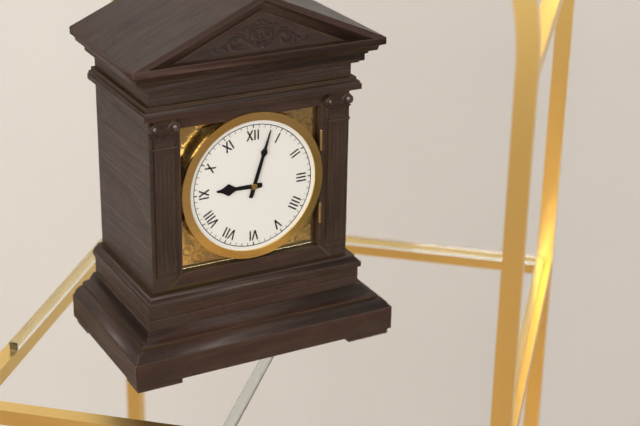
9:03
